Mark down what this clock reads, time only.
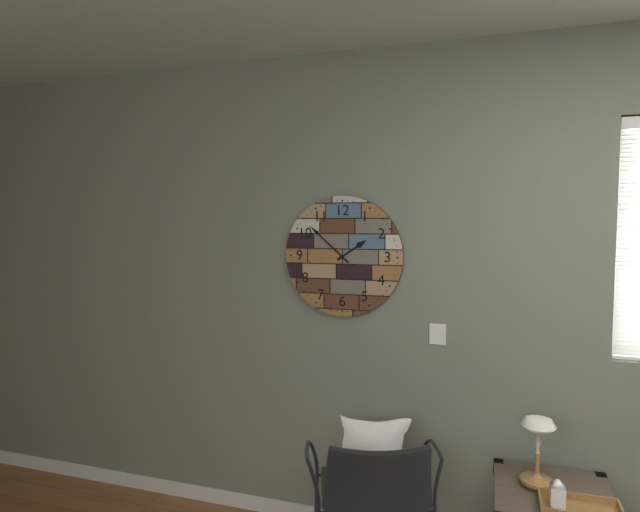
1:52
